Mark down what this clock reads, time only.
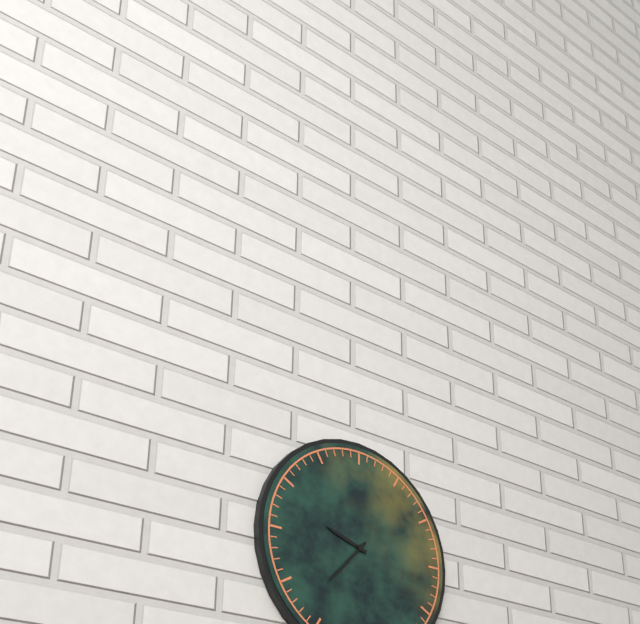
9:37
